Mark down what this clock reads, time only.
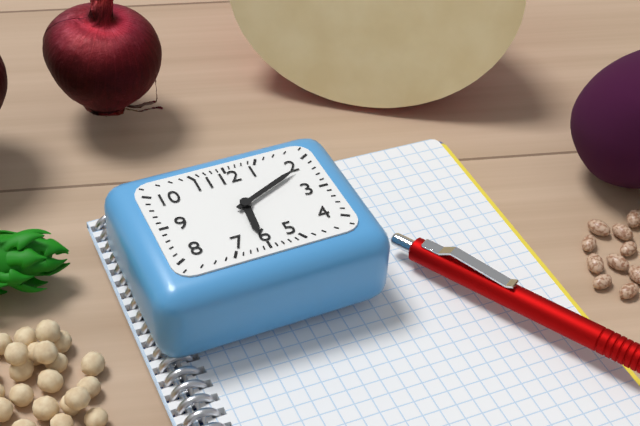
6:11
